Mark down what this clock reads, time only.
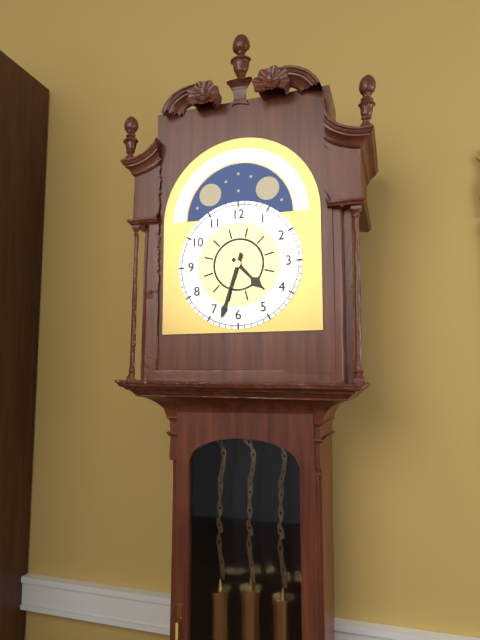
4:33
